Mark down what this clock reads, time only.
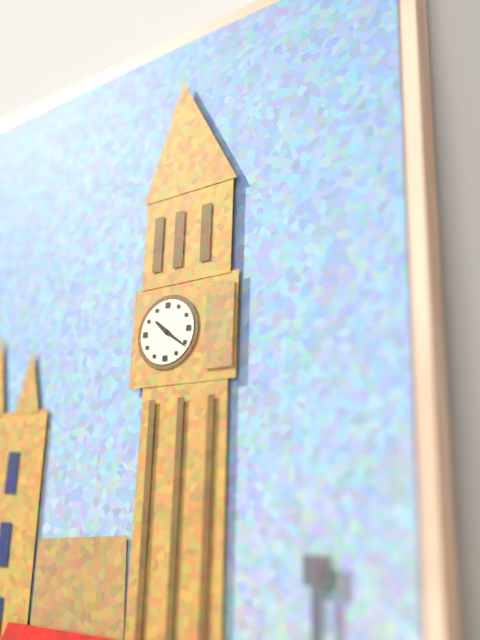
10:21
